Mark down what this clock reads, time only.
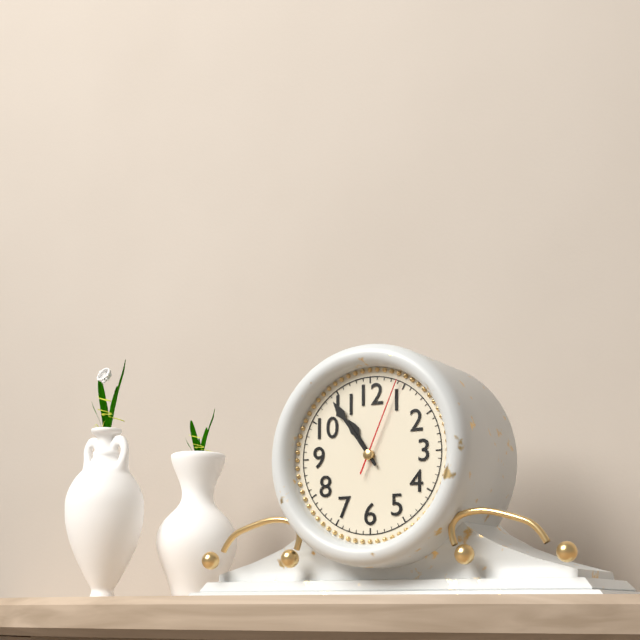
10:54:04
